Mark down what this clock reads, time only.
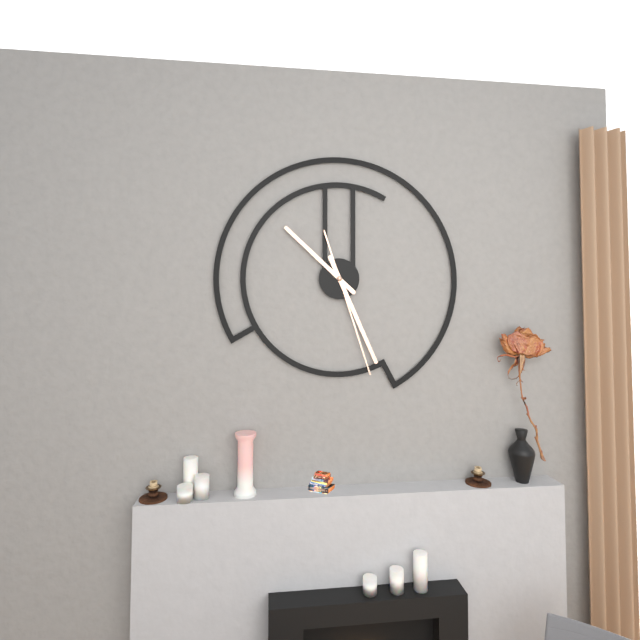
10:26:27
